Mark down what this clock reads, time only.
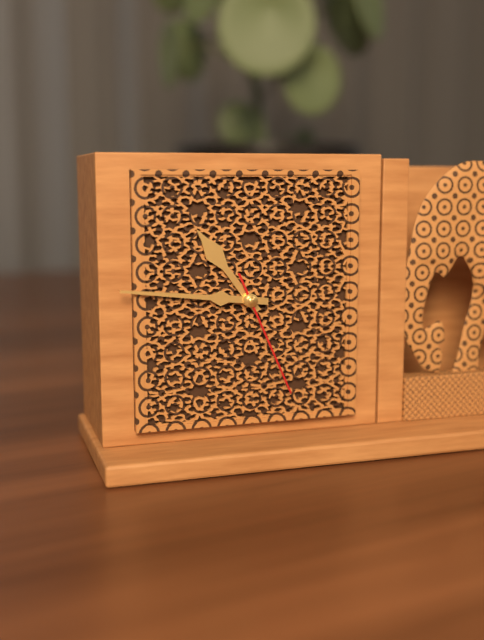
10:46:26
